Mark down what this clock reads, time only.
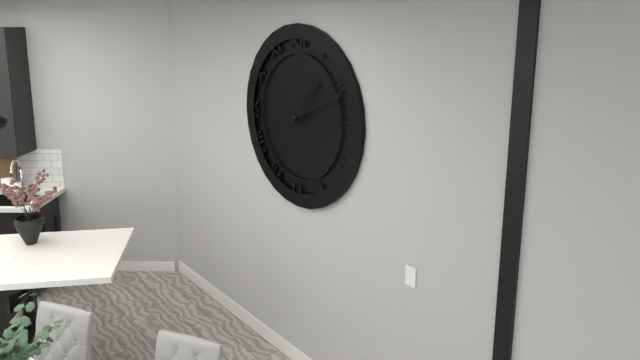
1:11:09
